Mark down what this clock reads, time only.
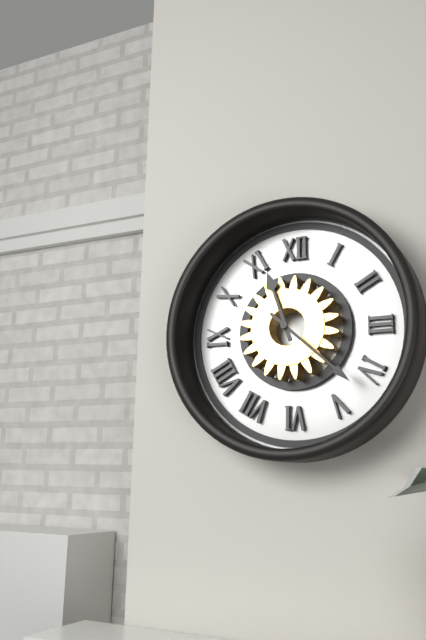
11:22
